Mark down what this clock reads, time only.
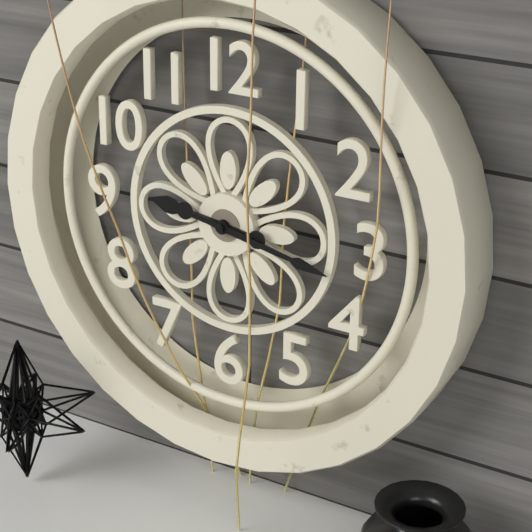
9:17
